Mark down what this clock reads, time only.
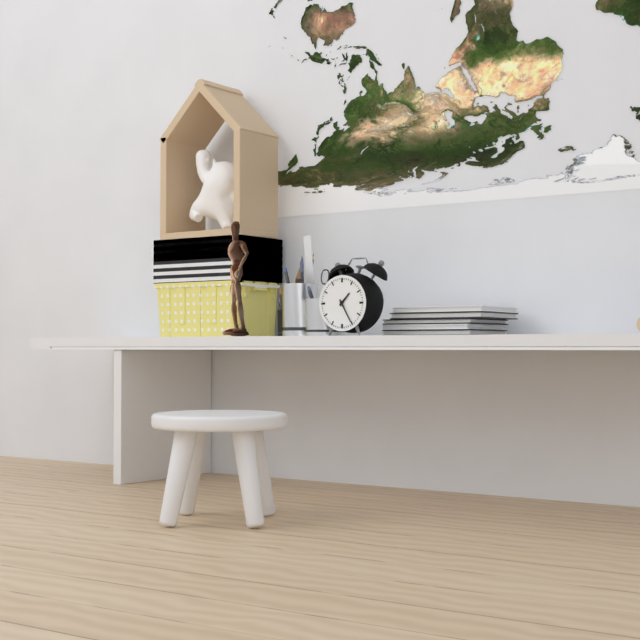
1:25
